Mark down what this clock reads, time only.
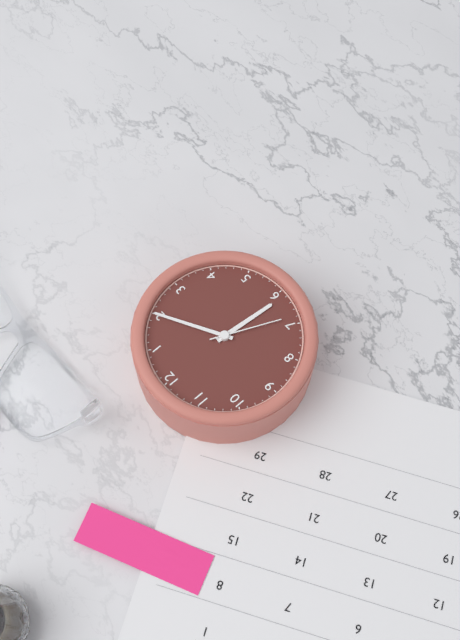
6:10:34
